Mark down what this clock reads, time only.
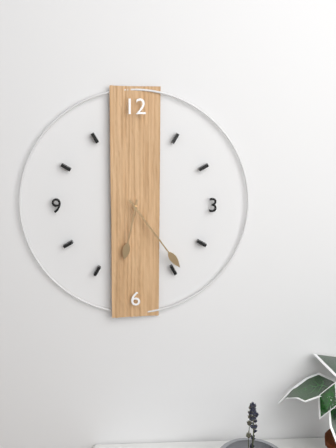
6:24
